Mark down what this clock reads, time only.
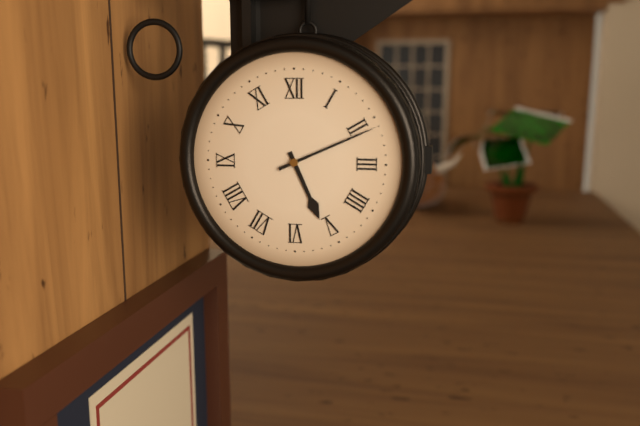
5:11
